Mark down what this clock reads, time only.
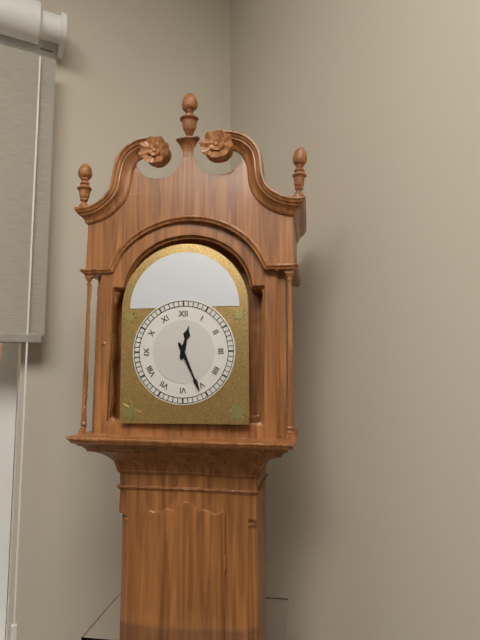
12:26
